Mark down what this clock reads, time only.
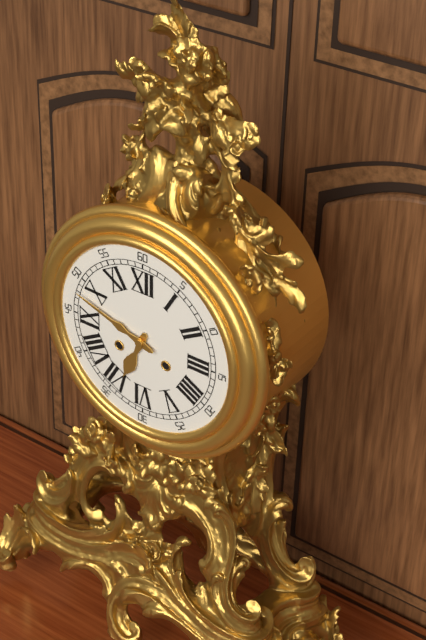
6:48
